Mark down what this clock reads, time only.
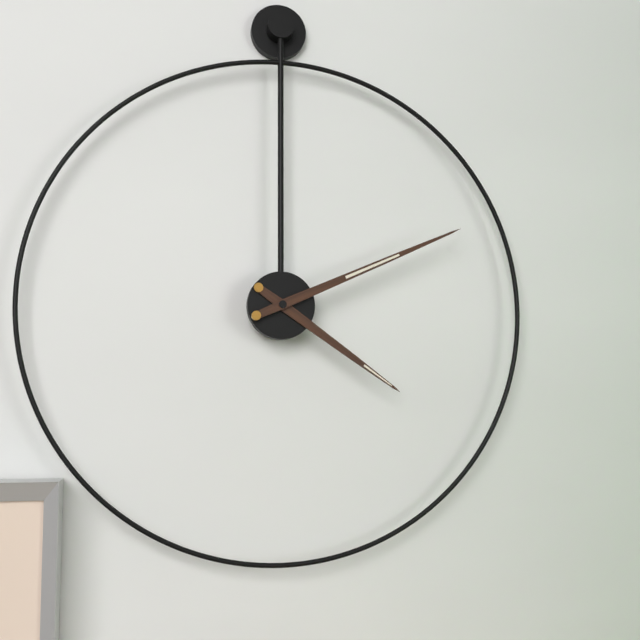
4:11
